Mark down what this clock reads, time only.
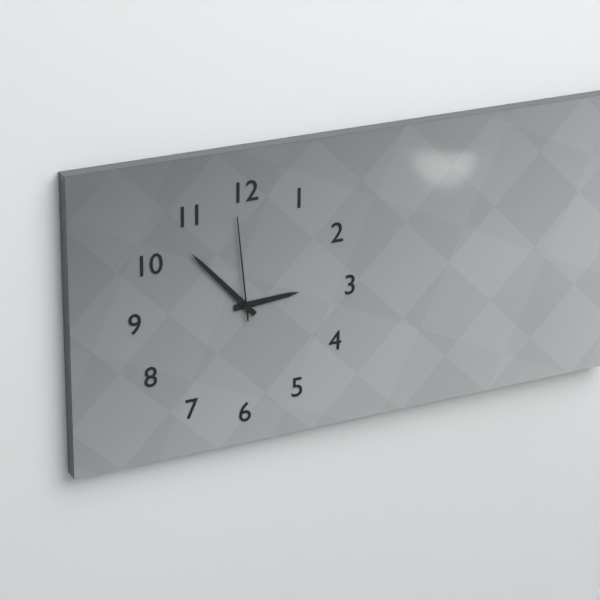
2:53:59
